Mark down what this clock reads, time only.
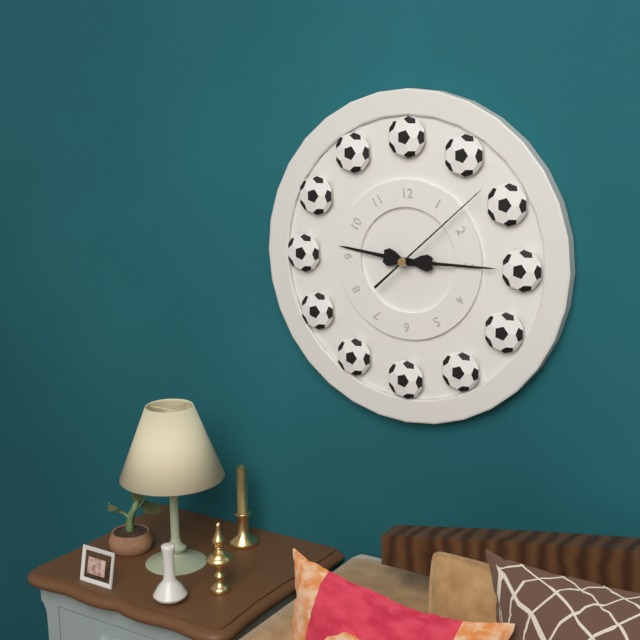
9:15:08
